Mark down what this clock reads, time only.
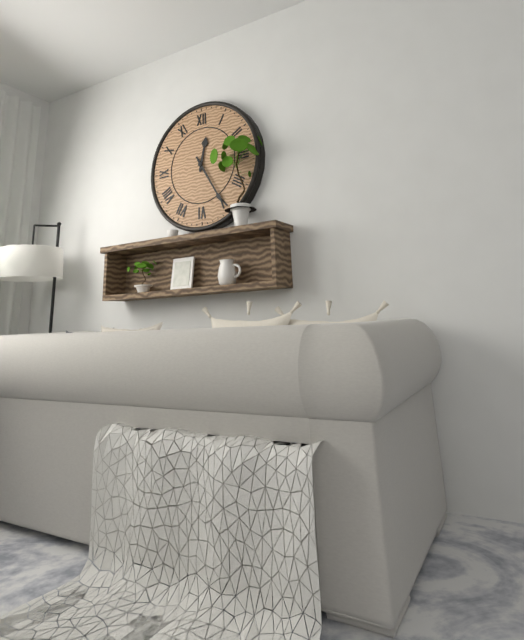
12:25
